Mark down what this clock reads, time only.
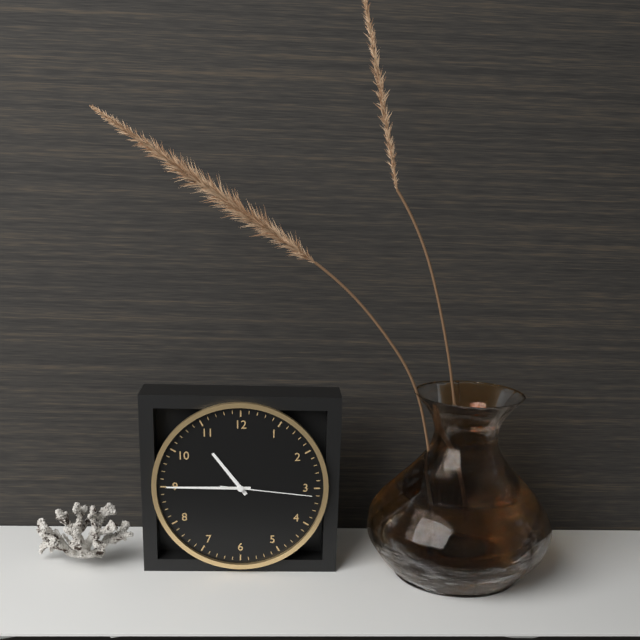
10:45:16
